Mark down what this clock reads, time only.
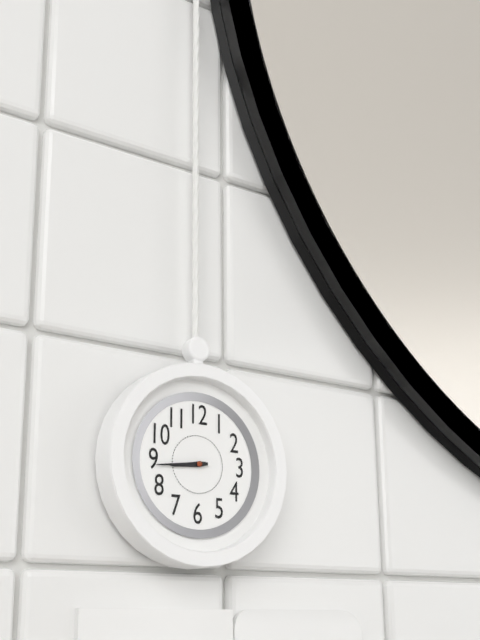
8:44
